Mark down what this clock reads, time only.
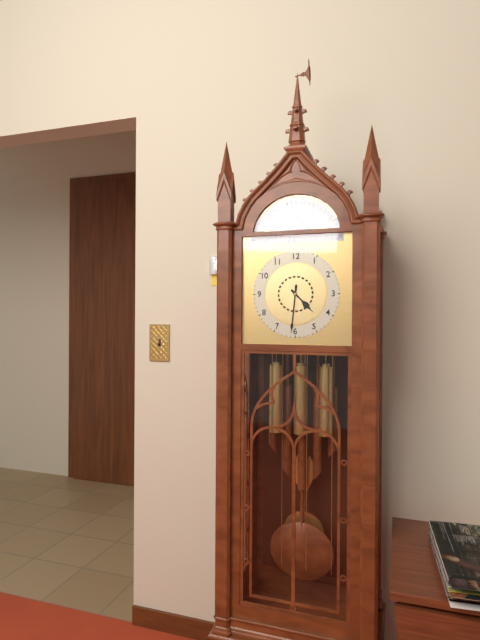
4:31
